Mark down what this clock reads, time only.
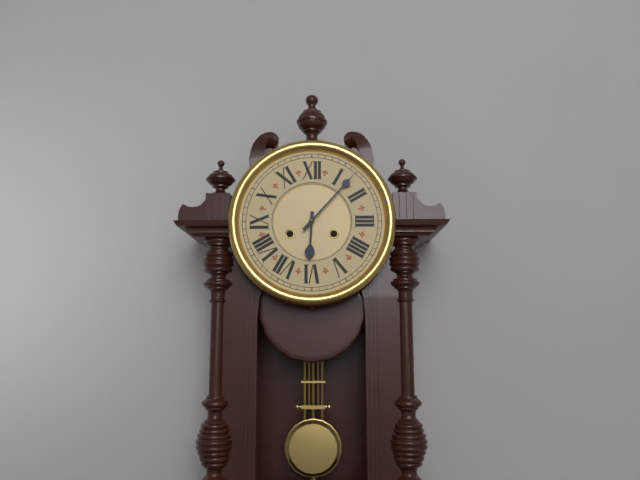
6:07
